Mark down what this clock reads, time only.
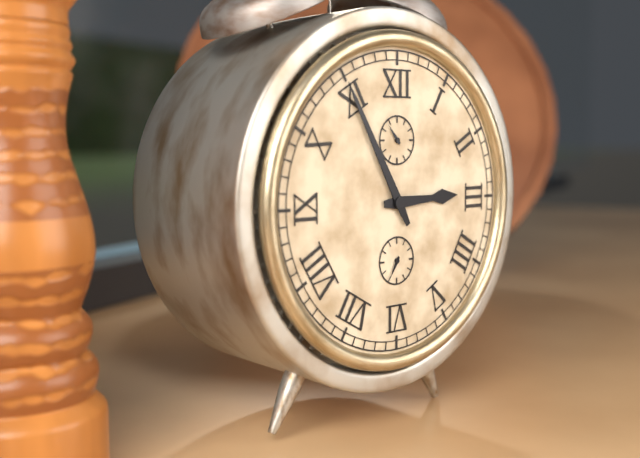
2:55
